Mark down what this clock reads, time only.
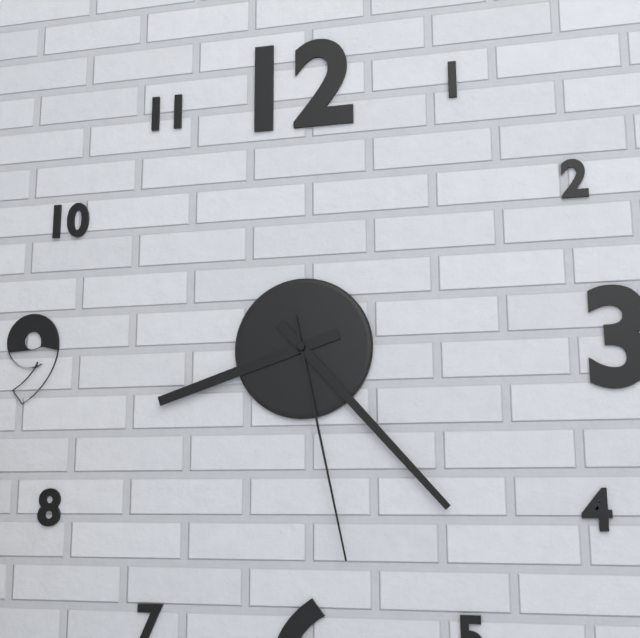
8:23:28
